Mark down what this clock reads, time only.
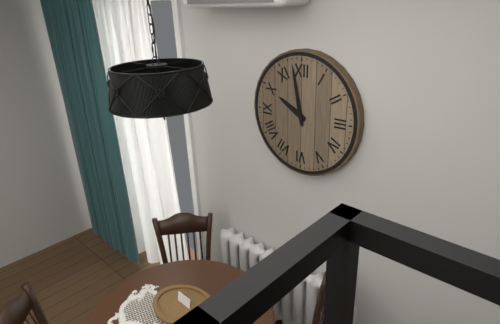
9:58
